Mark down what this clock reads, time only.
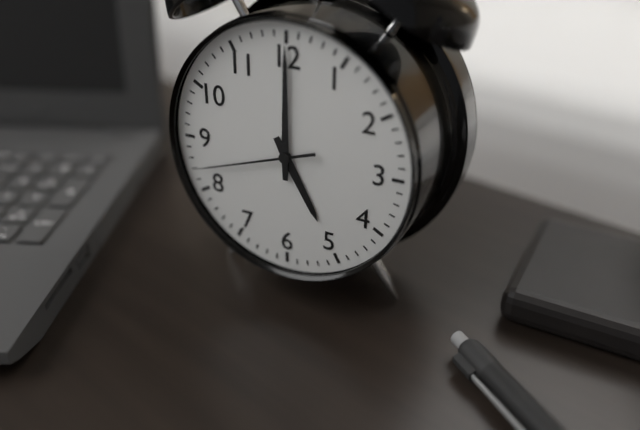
5:00:42
